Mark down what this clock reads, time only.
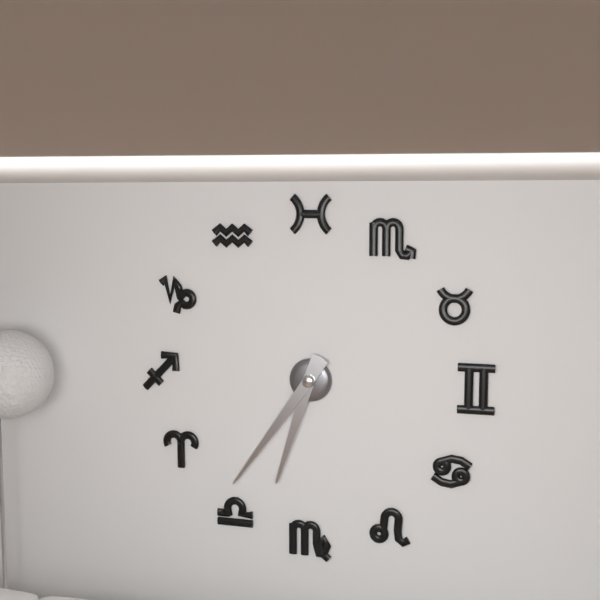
6:36
